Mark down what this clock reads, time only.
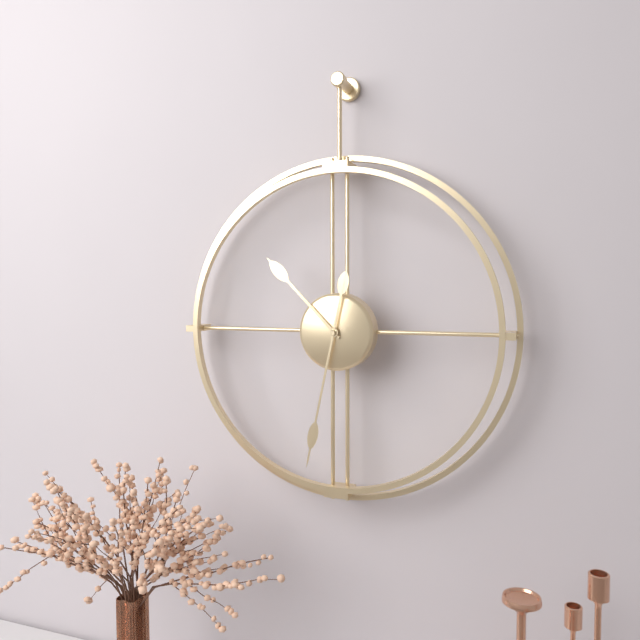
10:32
